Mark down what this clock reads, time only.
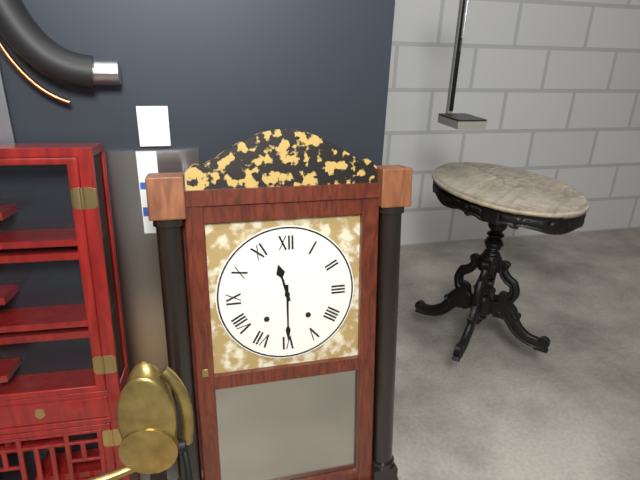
11:30
